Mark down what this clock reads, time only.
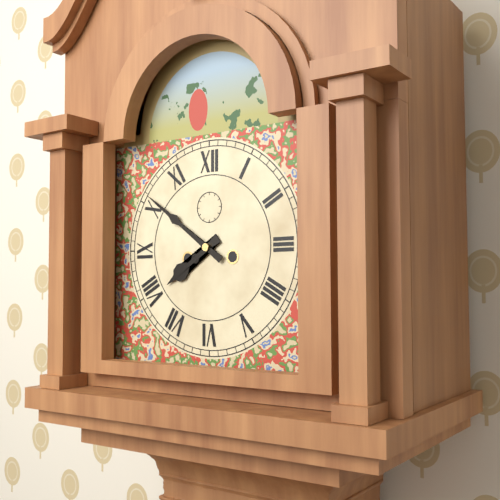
7:51
